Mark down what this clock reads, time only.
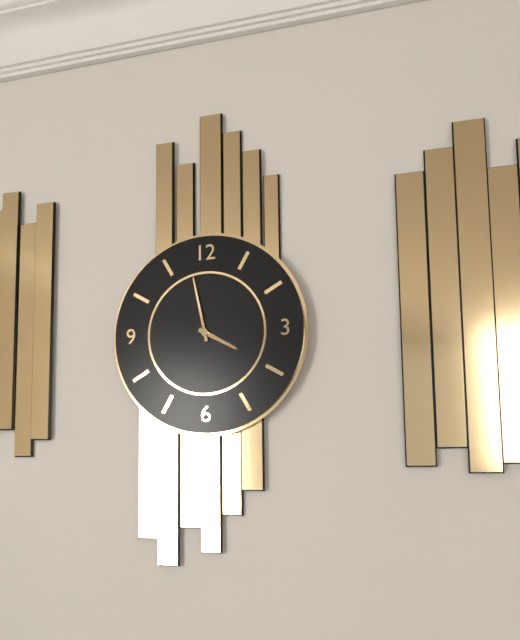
3:58
